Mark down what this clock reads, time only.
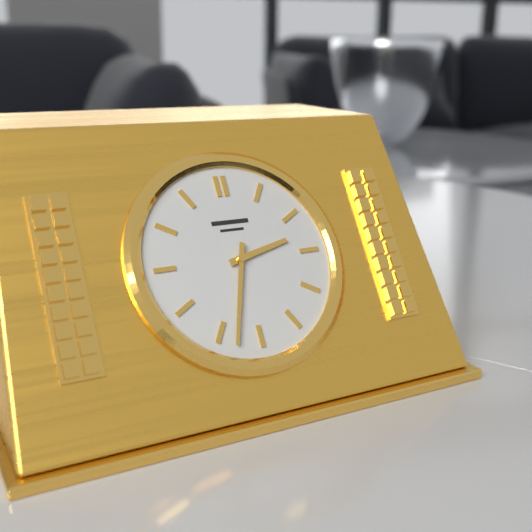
2:33
